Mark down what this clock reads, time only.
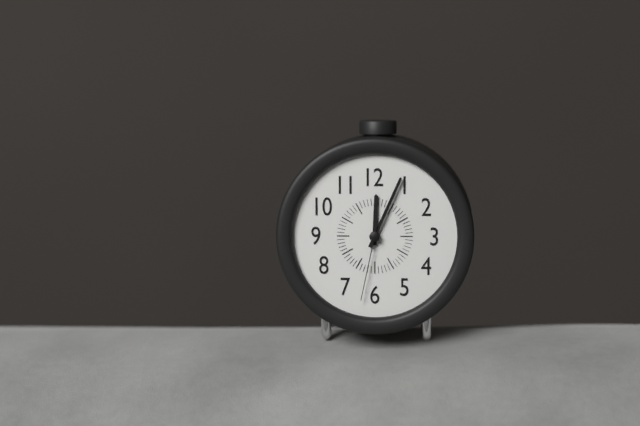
12:04:32
